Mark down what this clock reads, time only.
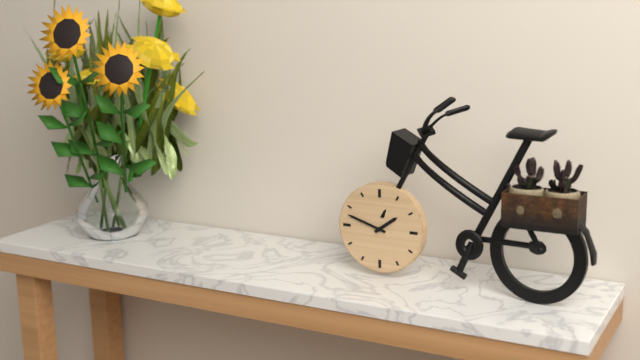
1:48
